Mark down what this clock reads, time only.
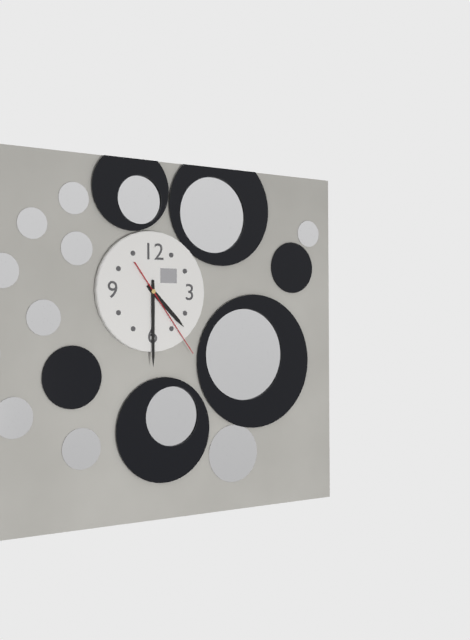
4:30:24
